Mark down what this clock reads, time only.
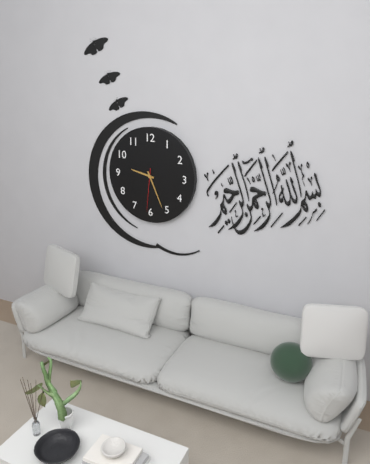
9:26
